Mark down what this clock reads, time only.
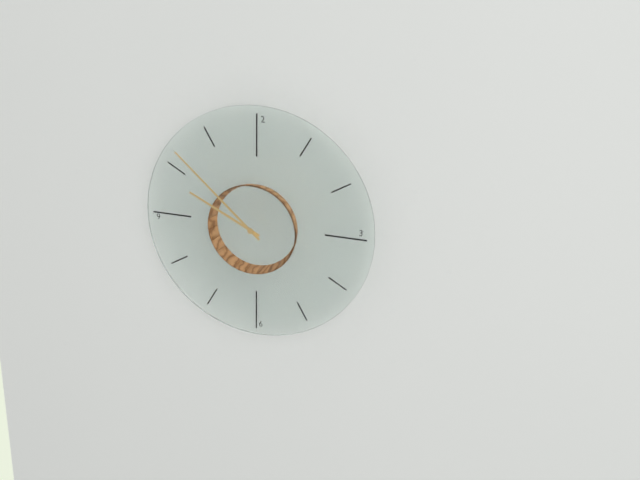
9:52
